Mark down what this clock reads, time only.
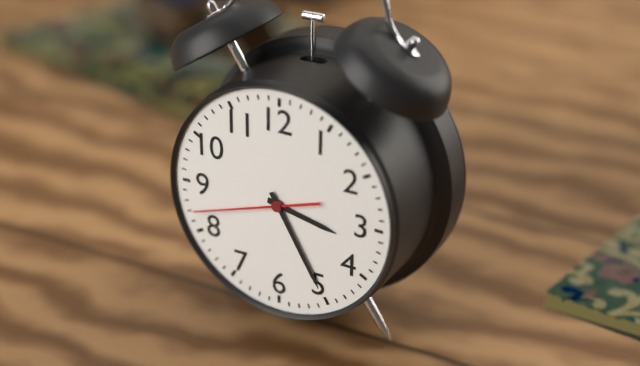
3:25:42
